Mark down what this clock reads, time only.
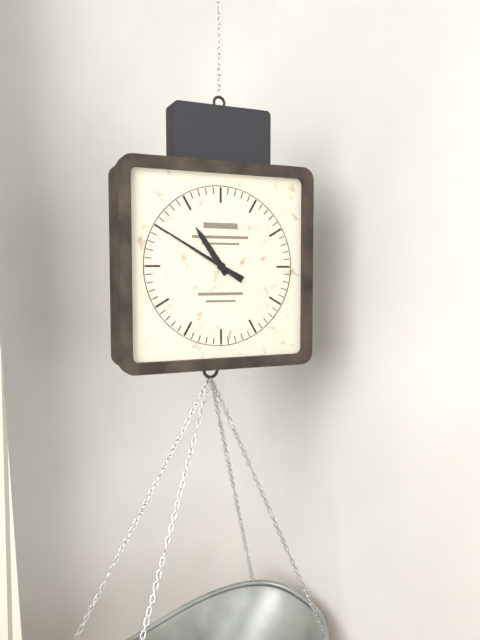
10:50
